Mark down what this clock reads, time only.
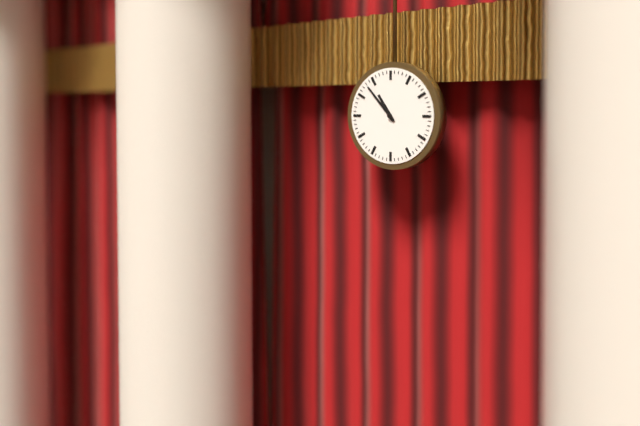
10:53
